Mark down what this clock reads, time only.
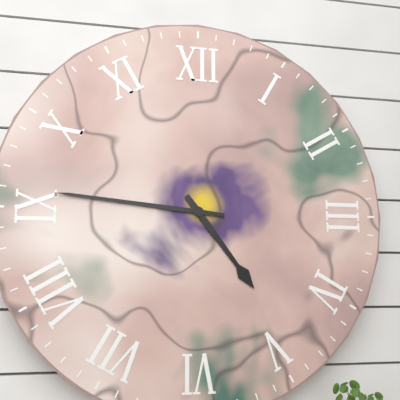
4:46
